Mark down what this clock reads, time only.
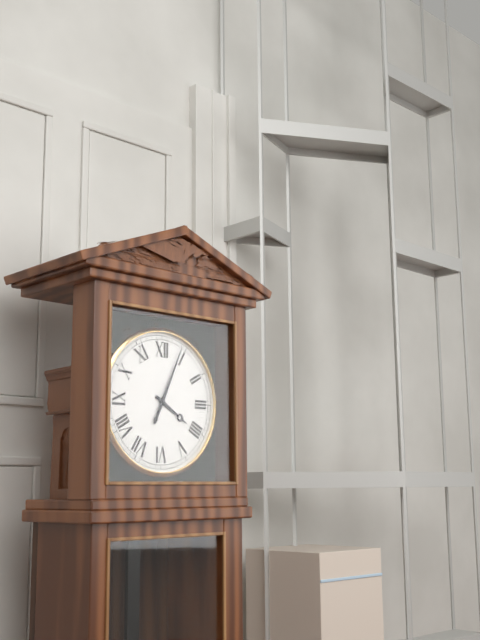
4:04
